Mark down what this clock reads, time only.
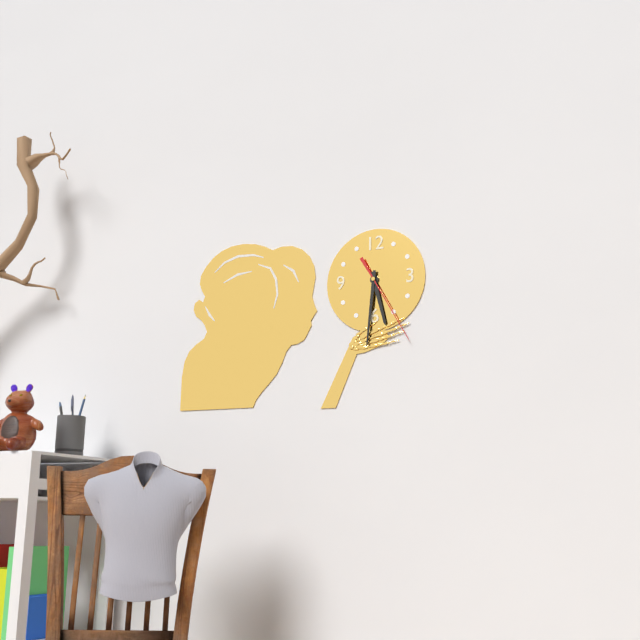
5:31:25
